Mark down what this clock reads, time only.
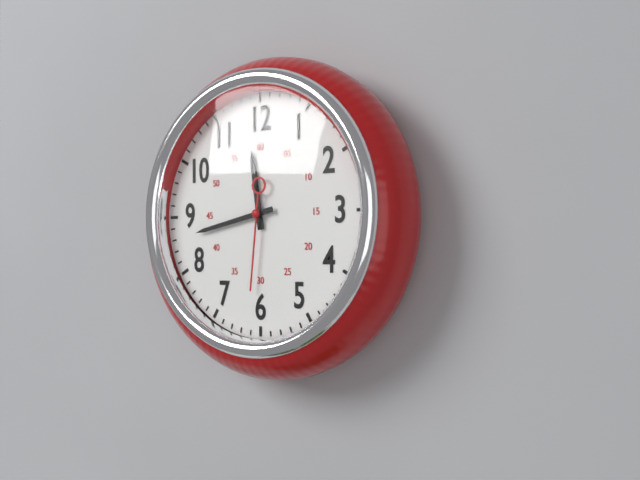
11:43:31
